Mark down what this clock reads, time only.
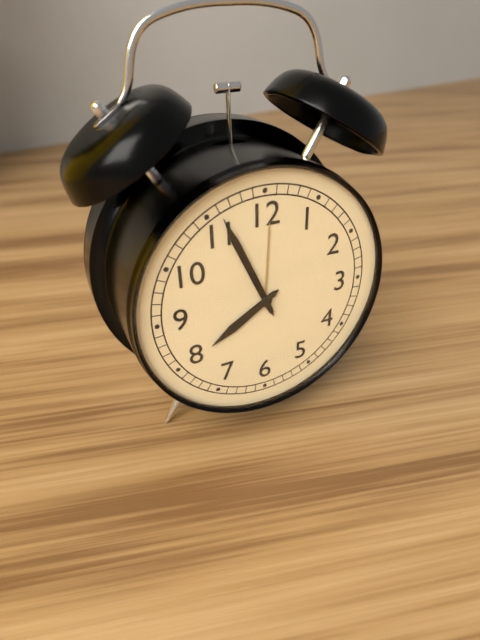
7:56
